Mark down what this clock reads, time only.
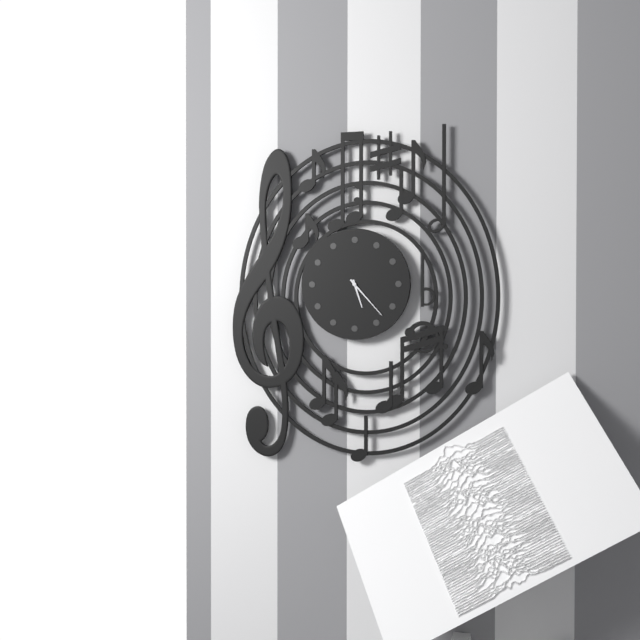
5:23
